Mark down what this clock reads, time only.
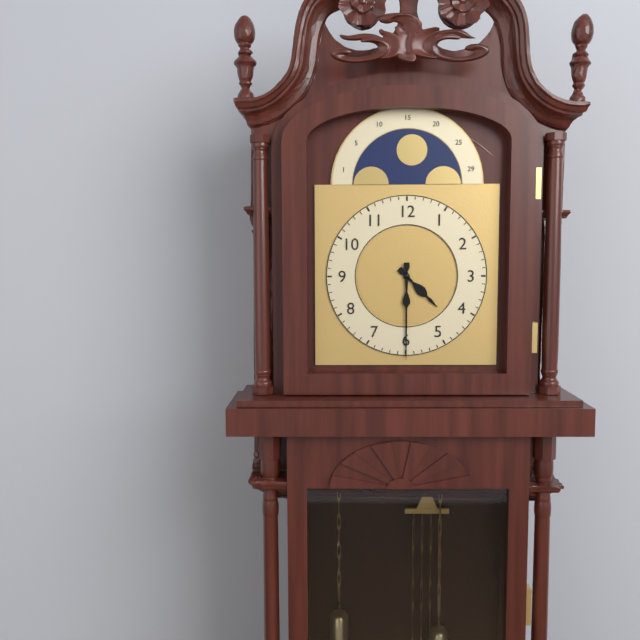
4:30
